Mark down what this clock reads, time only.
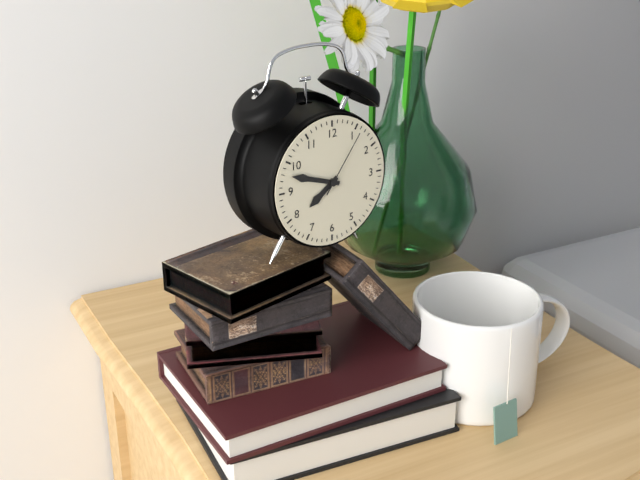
7:48:06
